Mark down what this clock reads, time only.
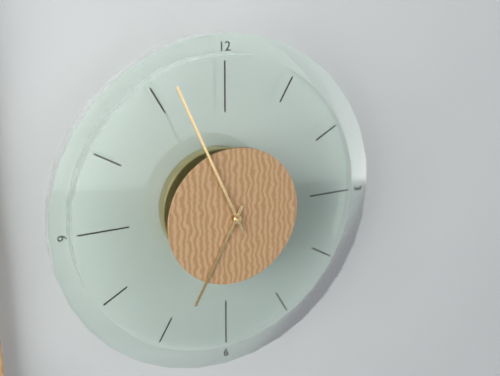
6:56
